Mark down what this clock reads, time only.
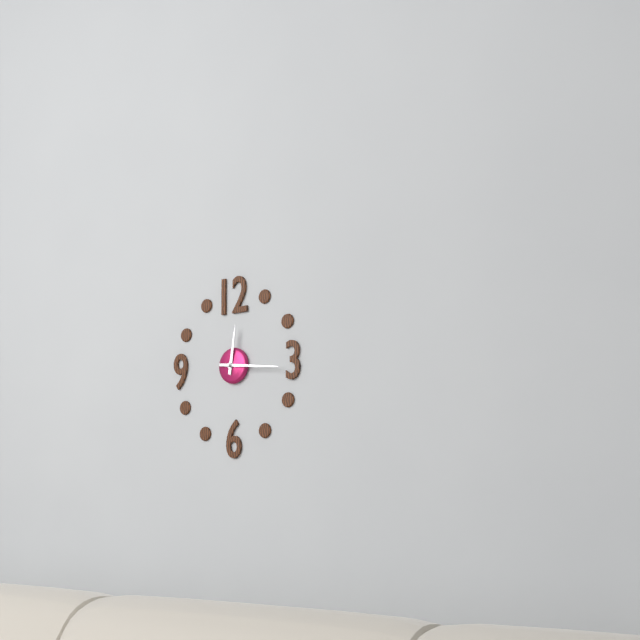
12:16
